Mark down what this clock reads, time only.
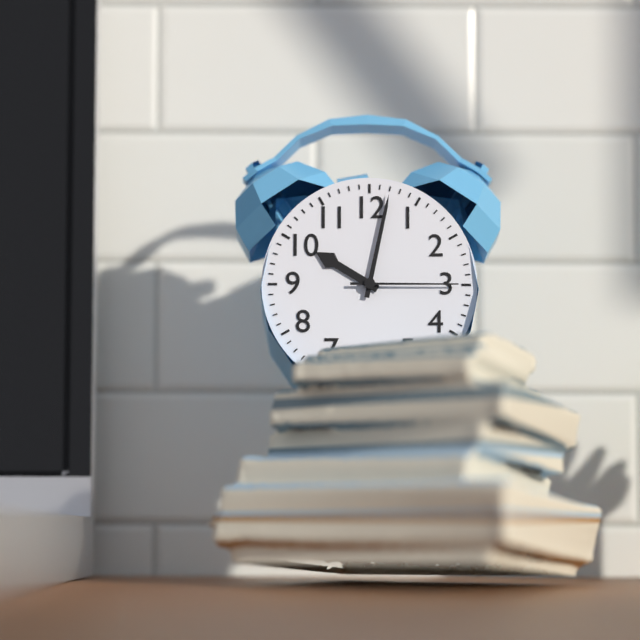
10:02:15
